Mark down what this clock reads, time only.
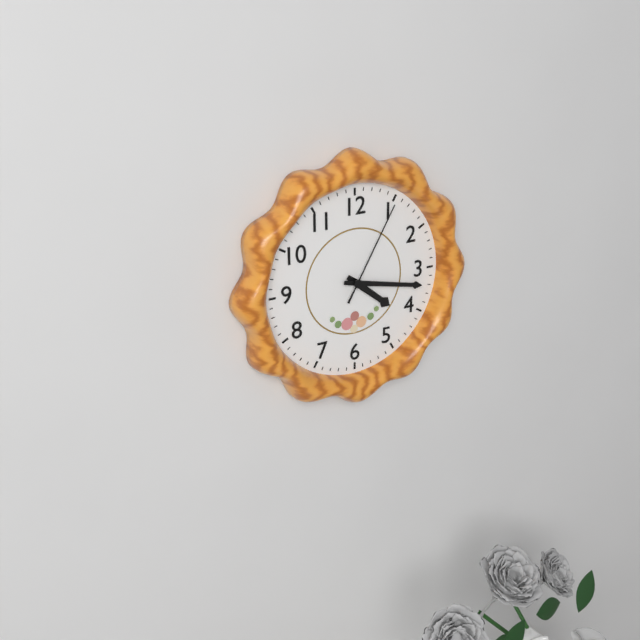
4:17:05
